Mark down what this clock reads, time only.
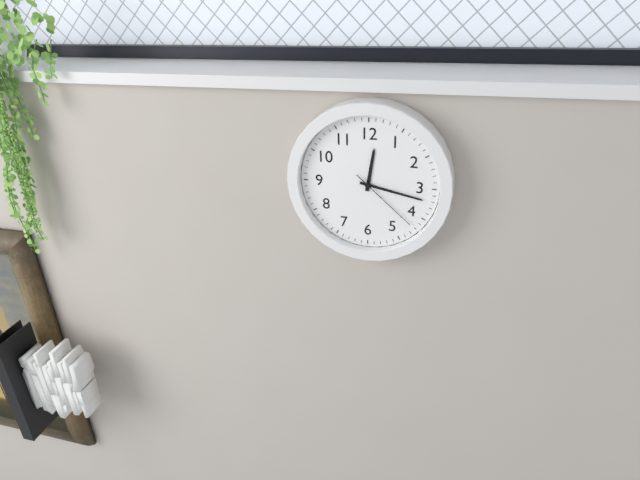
12:17:22
